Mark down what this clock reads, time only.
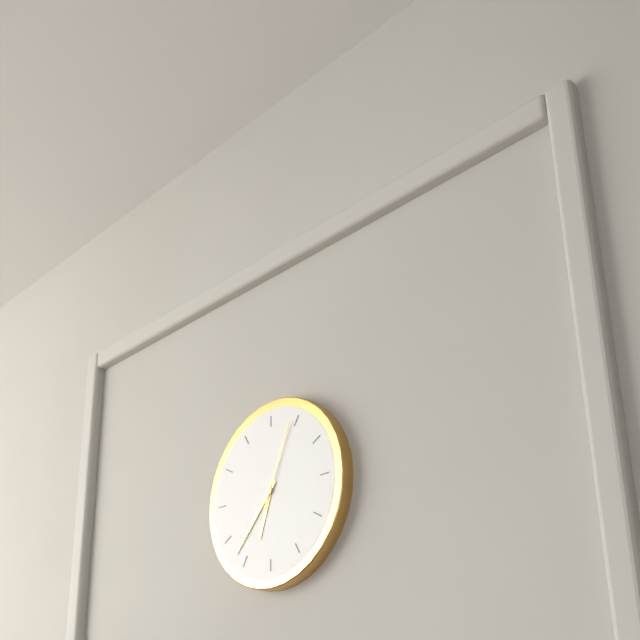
6:37:04
